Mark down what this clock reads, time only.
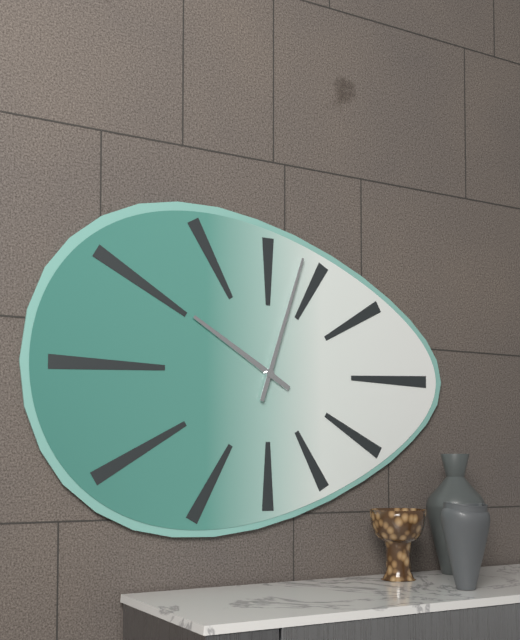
10:03
